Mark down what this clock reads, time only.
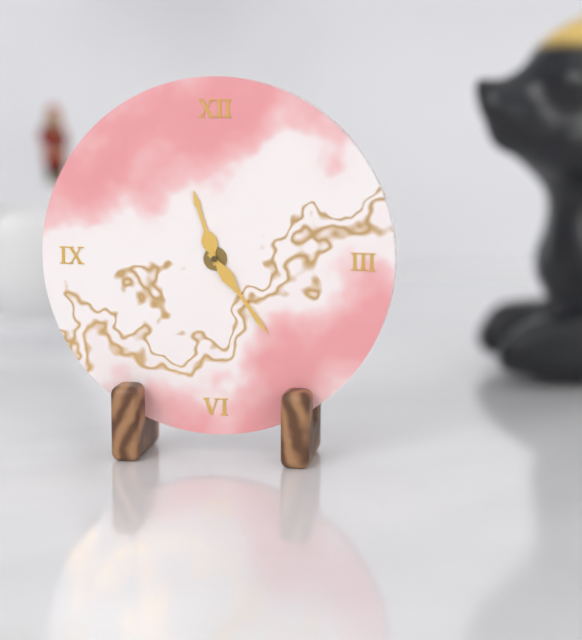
11:24
